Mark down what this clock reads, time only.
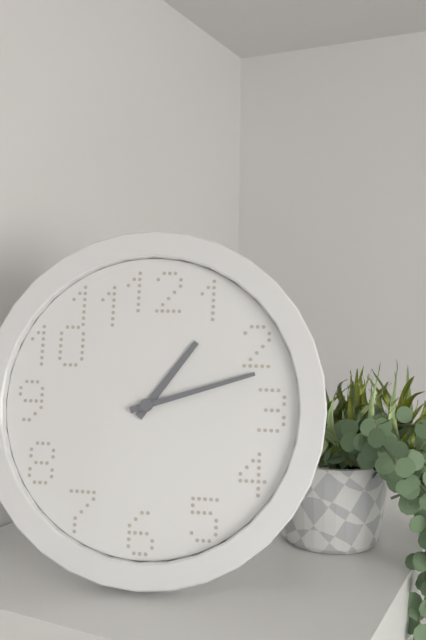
1:12
